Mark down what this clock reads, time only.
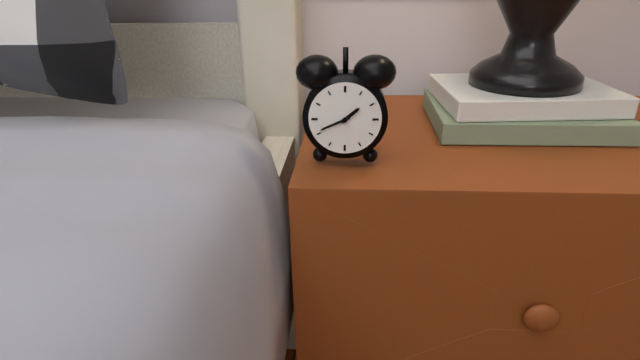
1:41
